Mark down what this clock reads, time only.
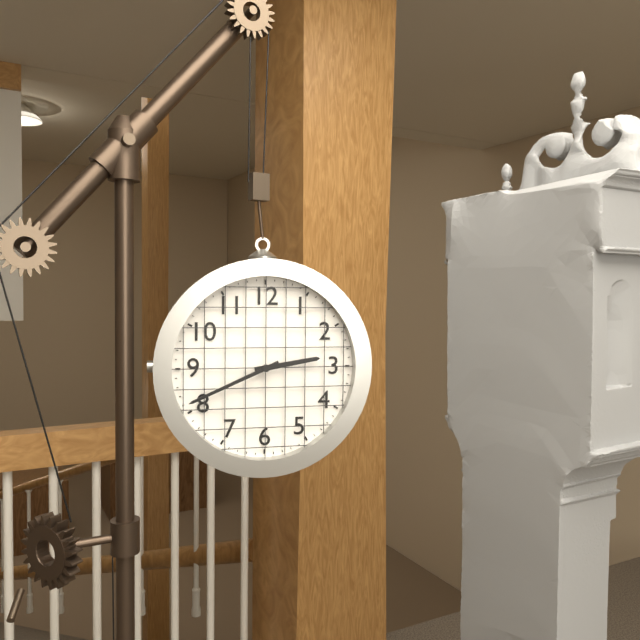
2:41
